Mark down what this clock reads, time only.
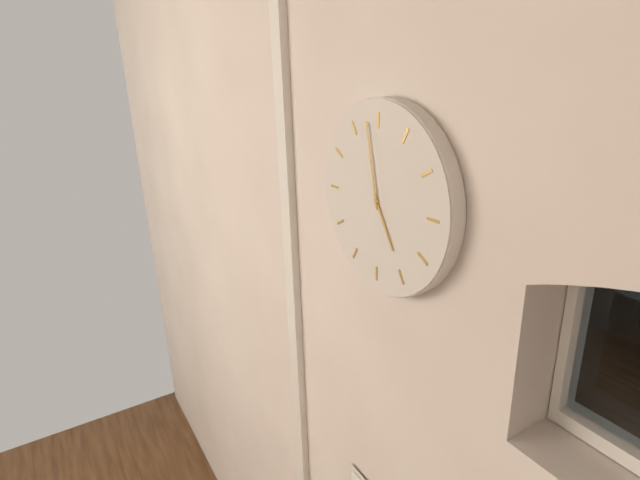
4:58
